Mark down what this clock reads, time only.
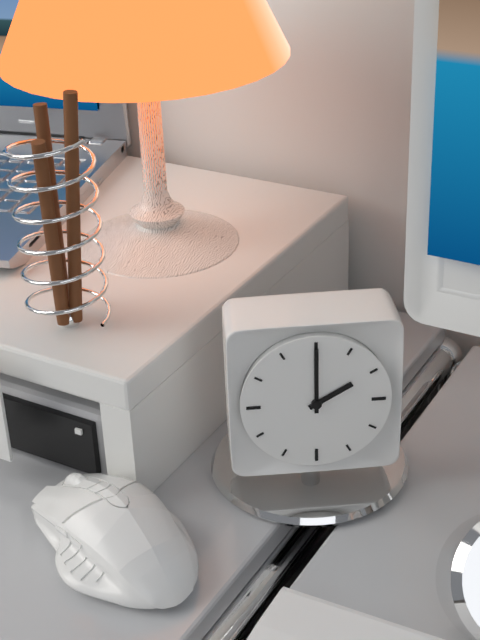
2:00
